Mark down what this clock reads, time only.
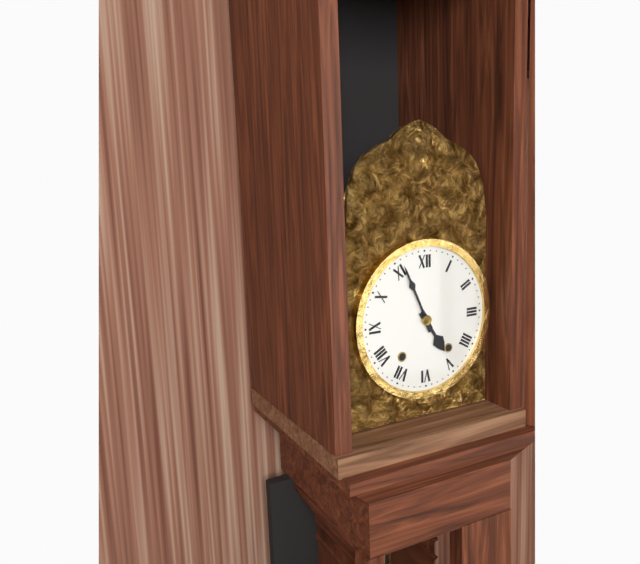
4:56
